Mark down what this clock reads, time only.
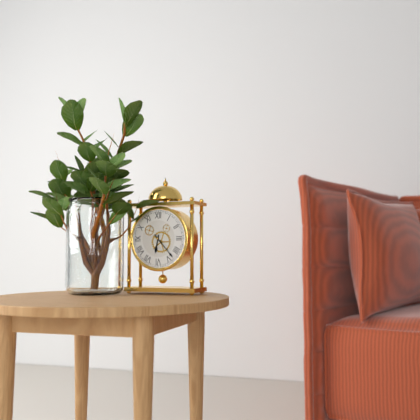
6:23
